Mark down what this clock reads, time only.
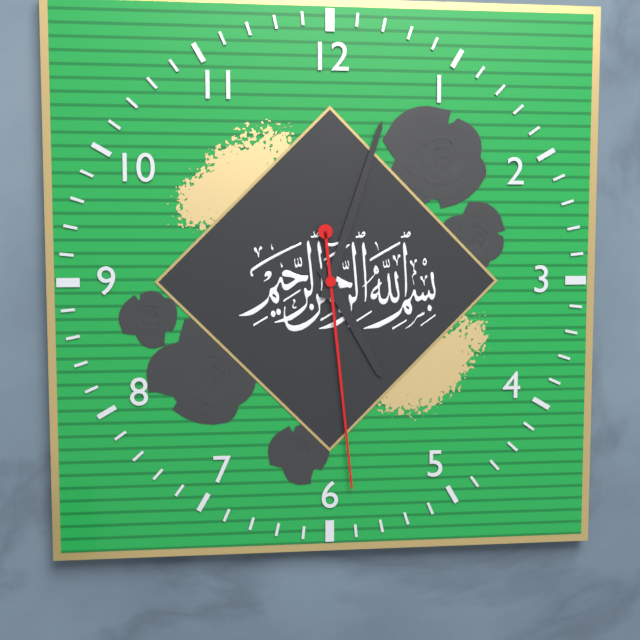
5:03:29
